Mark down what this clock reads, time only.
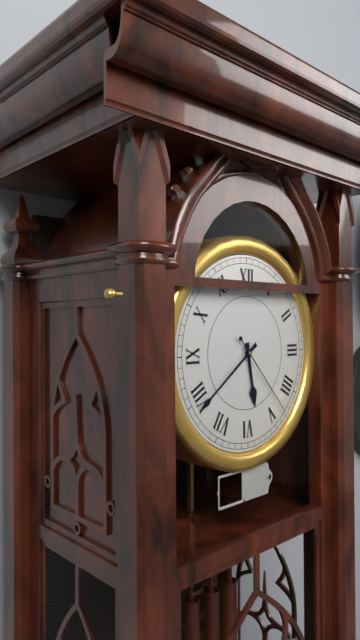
5:39:23
